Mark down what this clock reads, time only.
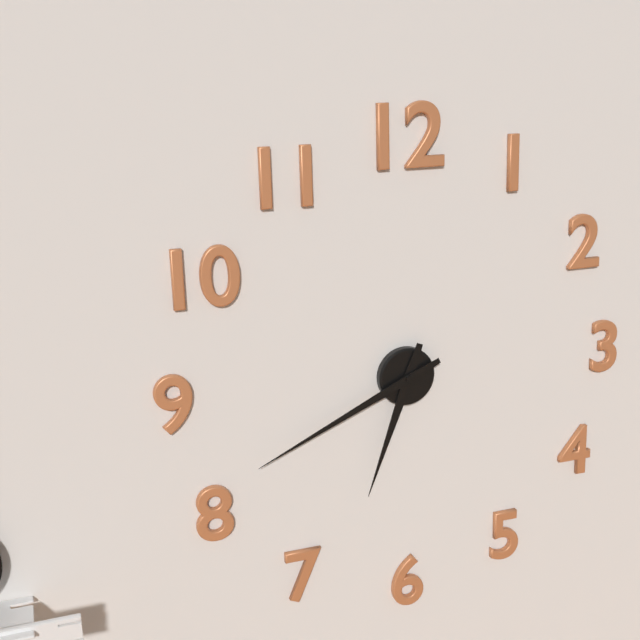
6:41
